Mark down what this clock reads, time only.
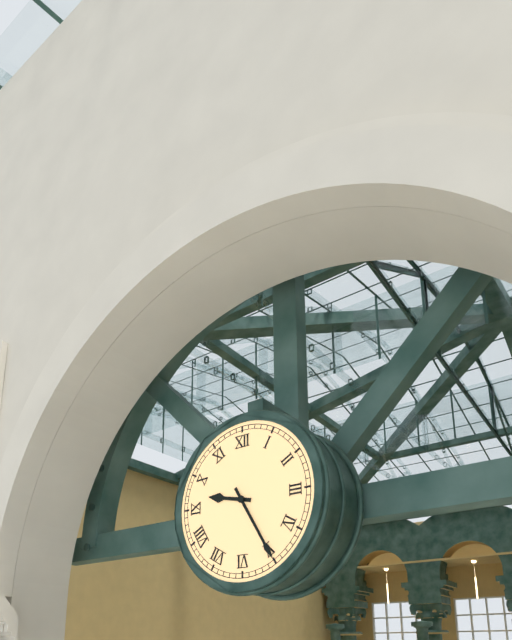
9:25
